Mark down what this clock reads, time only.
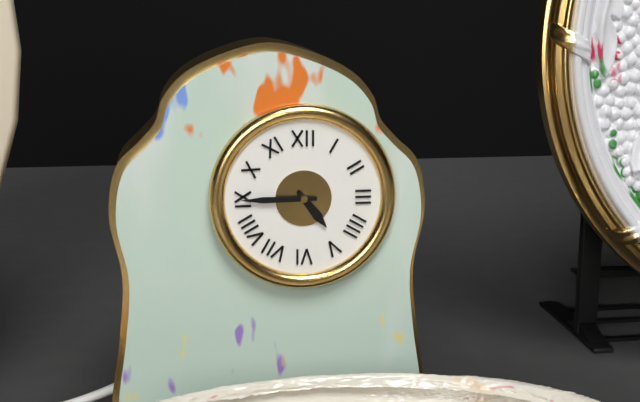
4:45
